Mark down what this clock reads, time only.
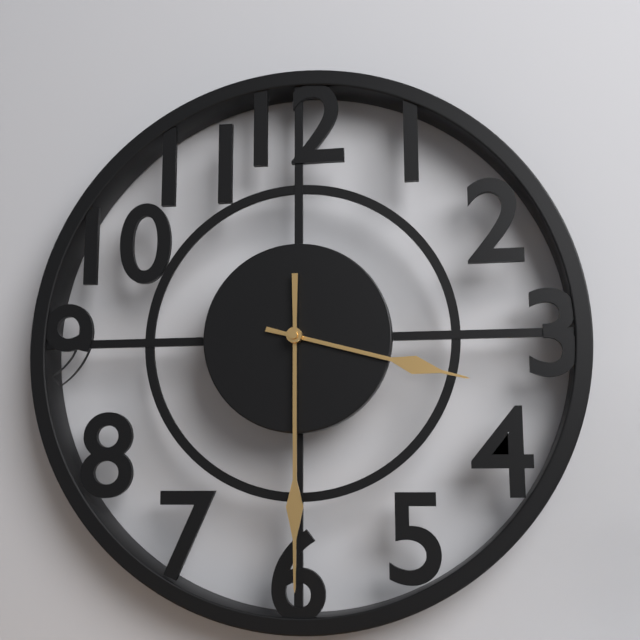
3:30
